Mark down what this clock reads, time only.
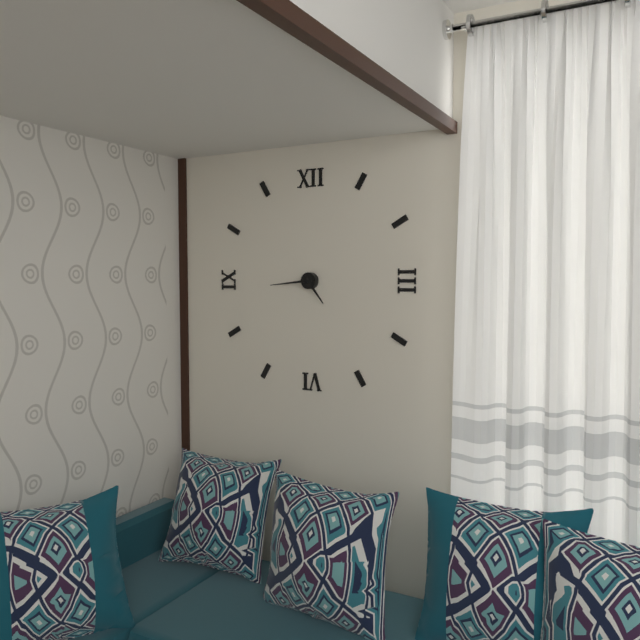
4:44
